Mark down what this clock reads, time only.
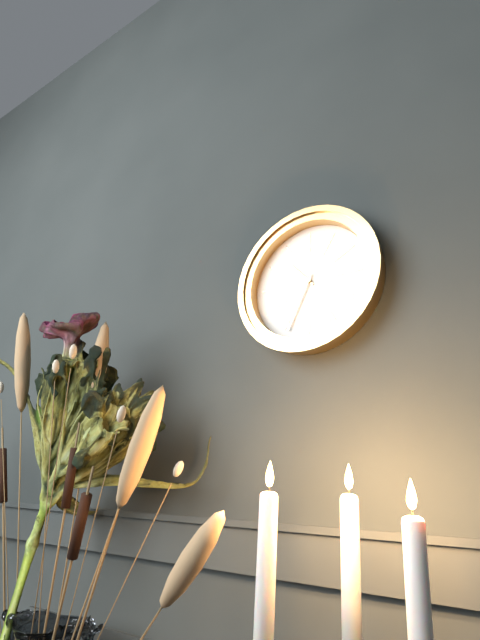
10:34
